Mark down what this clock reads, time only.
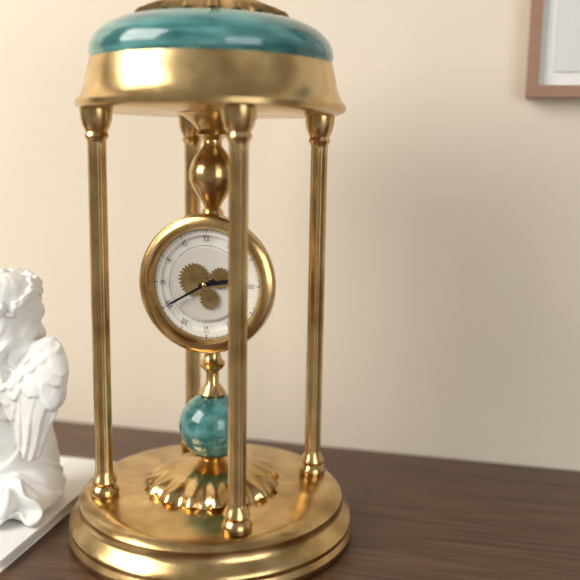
2:40
